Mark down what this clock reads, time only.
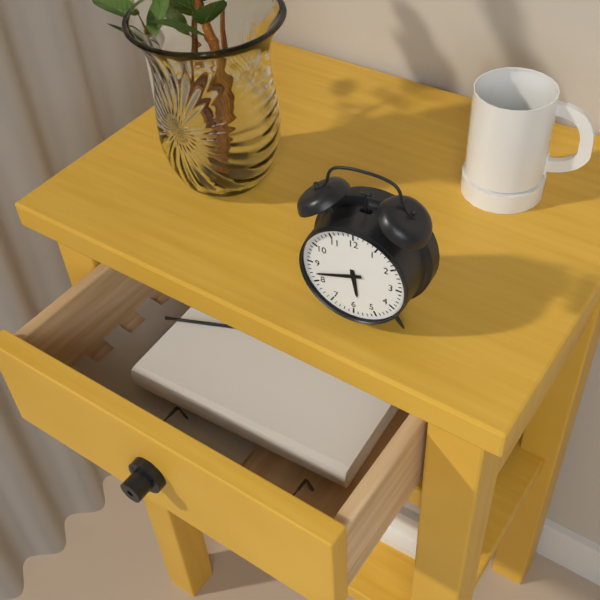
5:42
